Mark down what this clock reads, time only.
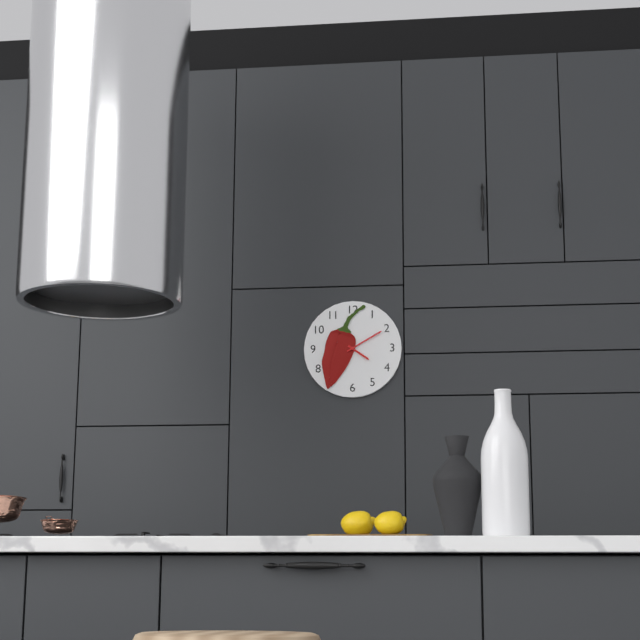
4:10
